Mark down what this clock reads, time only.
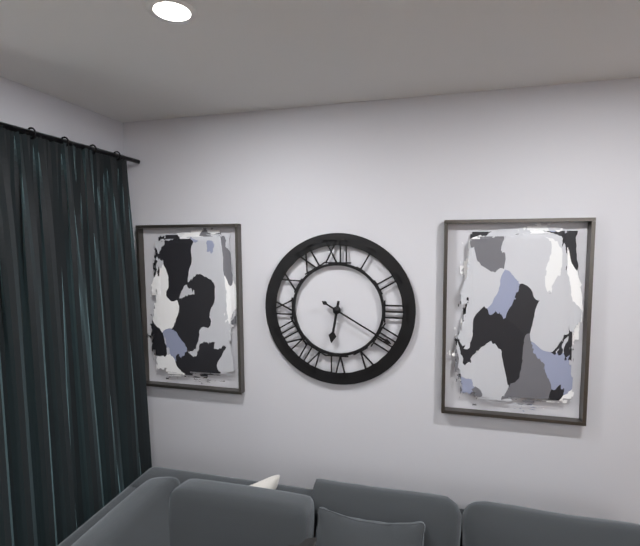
6:20
